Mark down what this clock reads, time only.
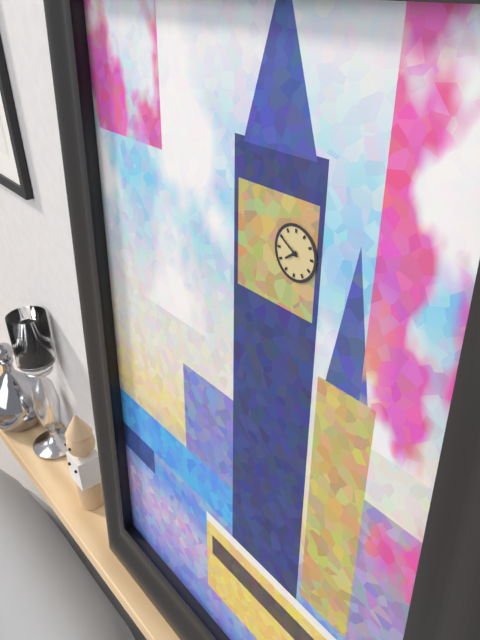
7:50
